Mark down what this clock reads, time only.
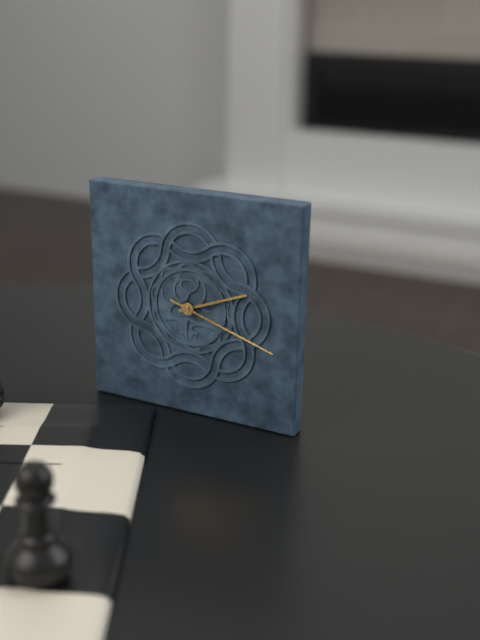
2:18
